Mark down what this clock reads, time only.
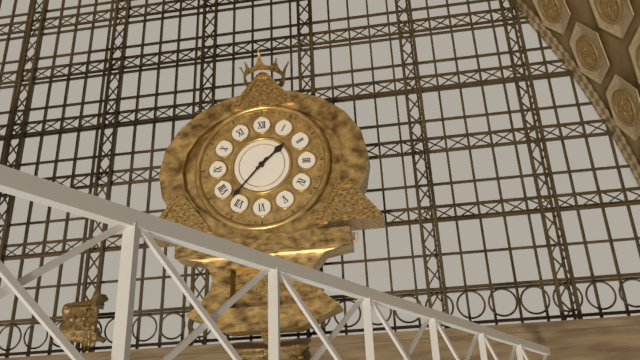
1:37
